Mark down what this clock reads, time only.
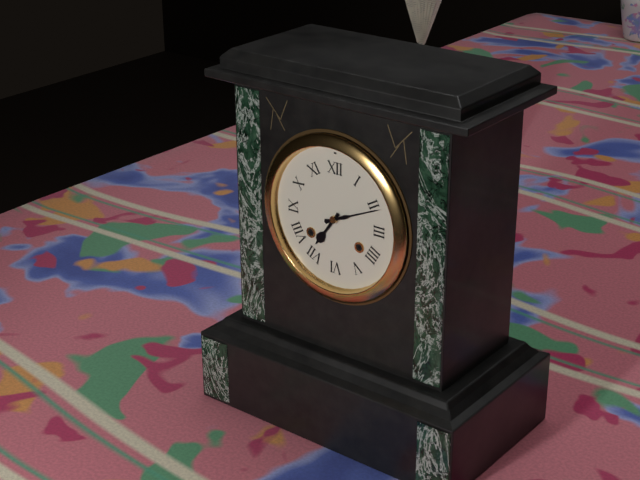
7:11
